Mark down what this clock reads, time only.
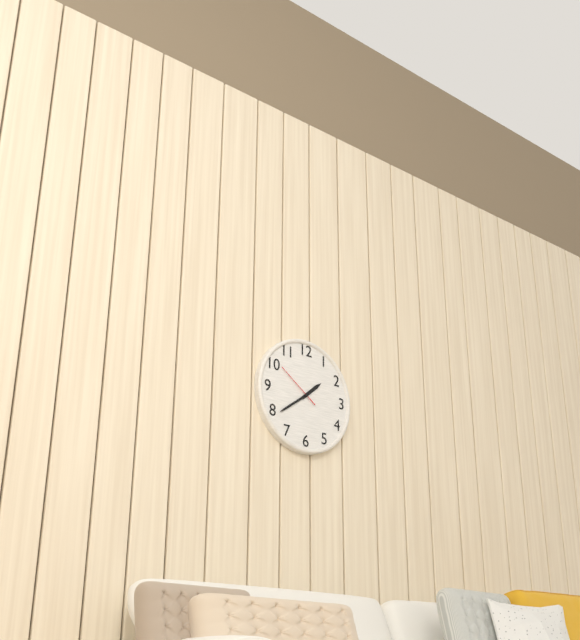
1:39
